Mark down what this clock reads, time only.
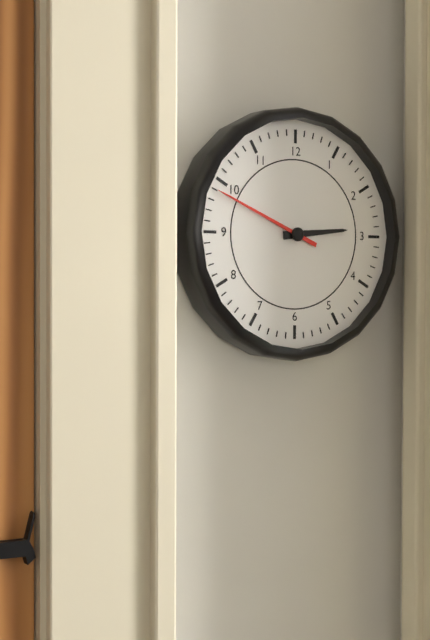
2:49
